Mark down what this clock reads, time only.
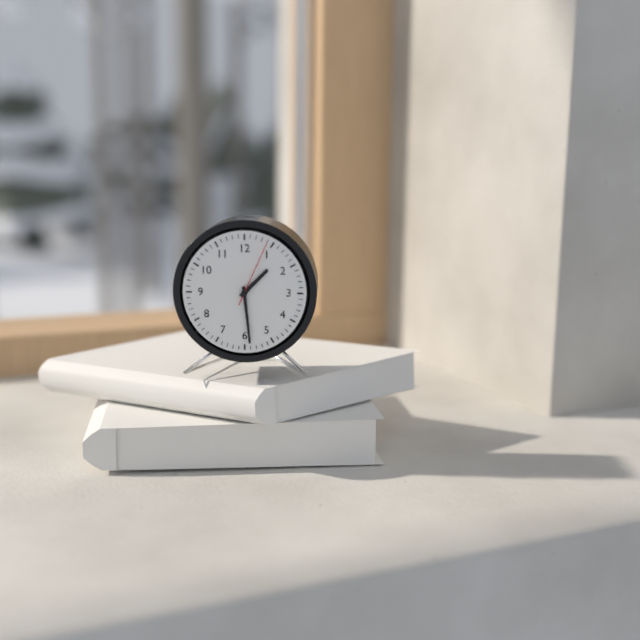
1:29:04
